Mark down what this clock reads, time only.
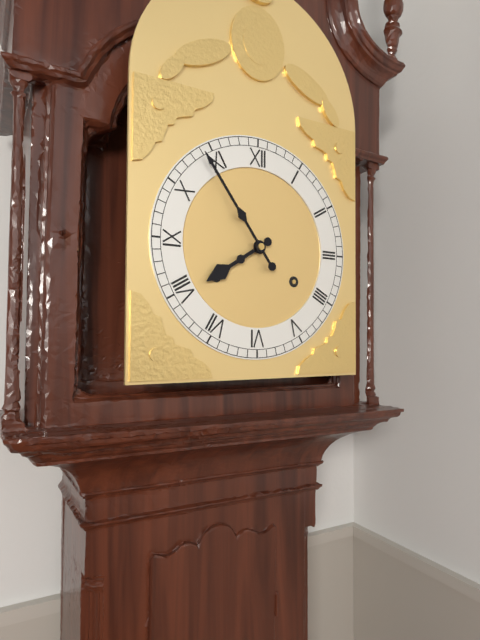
7:54
